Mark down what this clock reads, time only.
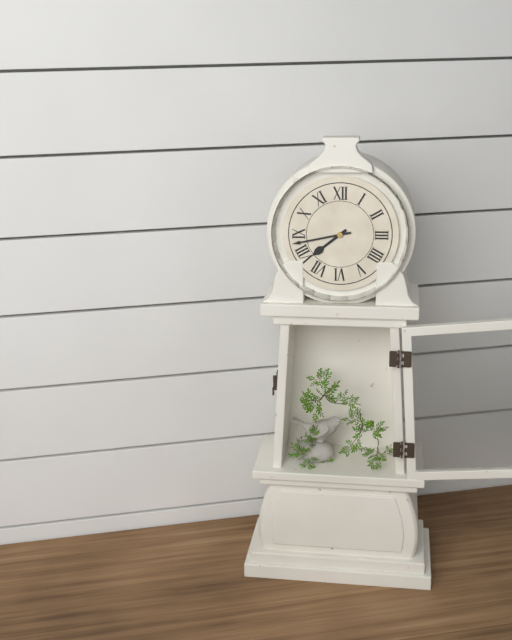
7:43
